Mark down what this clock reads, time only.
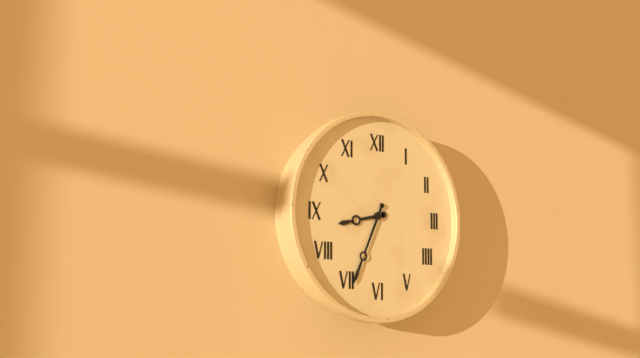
8:34
